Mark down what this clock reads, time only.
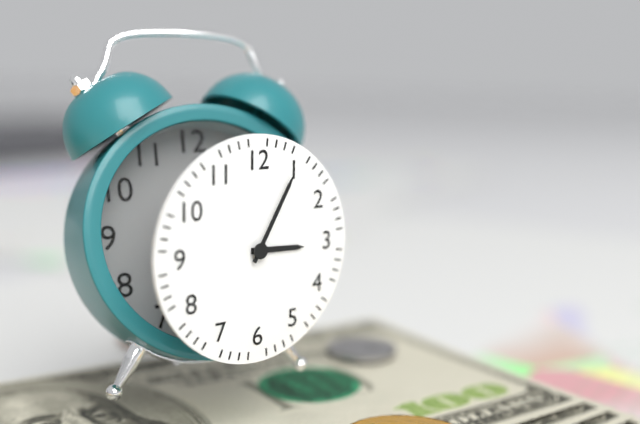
3:05
